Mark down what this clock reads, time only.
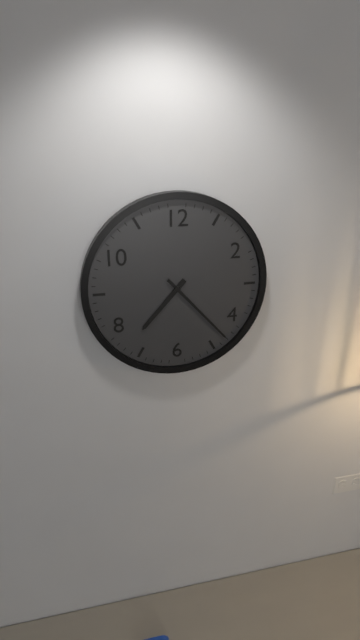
7:23
